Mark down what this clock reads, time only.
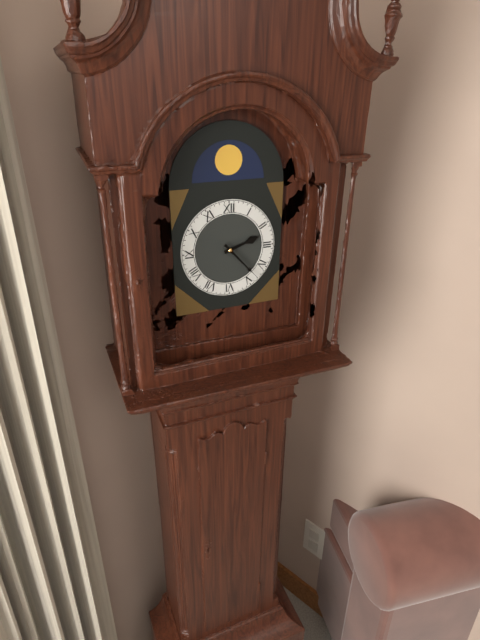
2:23
